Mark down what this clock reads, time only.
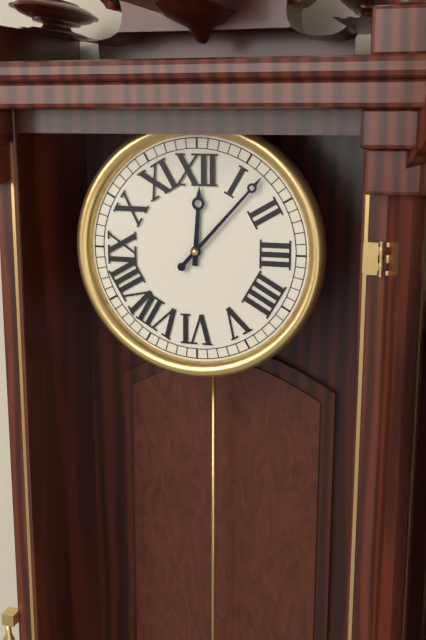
12:07
